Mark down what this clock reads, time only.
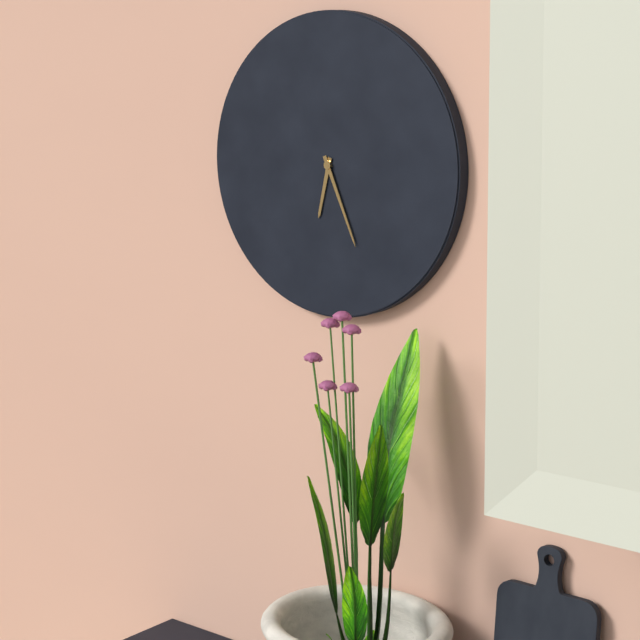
6:26
